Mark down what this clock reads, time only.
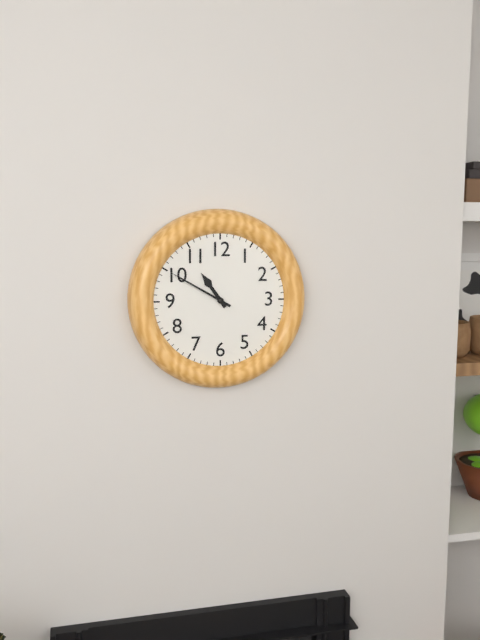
10:50
